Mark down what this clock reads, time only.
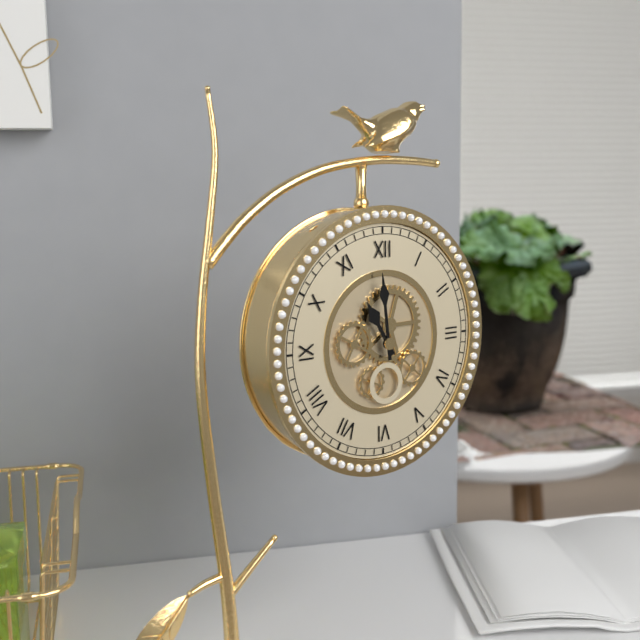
10:59
